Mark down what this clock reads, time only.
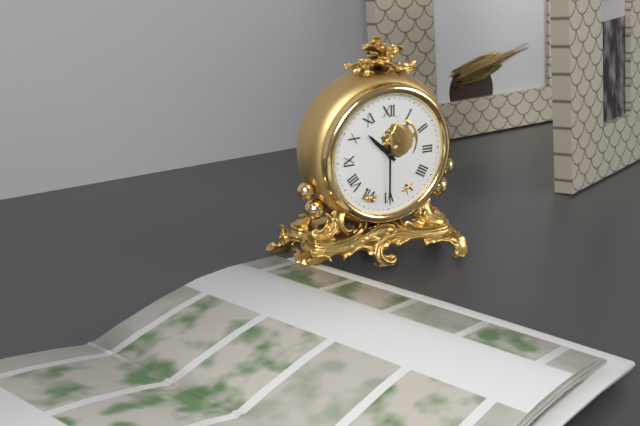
10:30
